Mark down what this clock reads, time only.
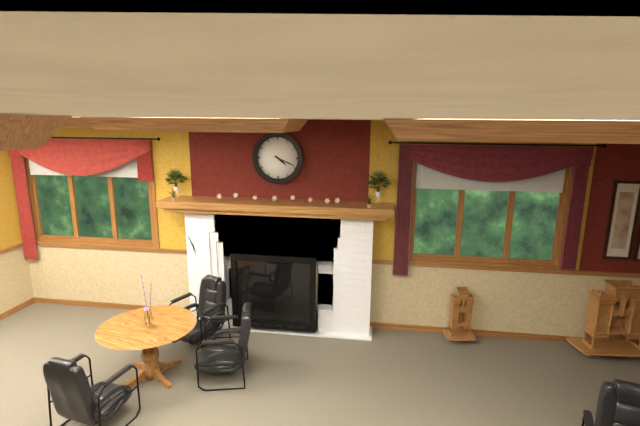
4:19
